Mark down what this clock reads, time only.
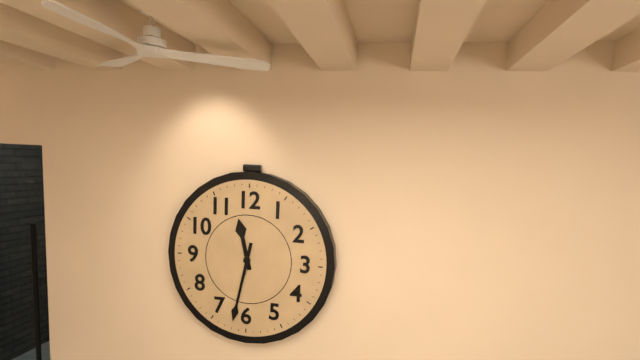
11:32
